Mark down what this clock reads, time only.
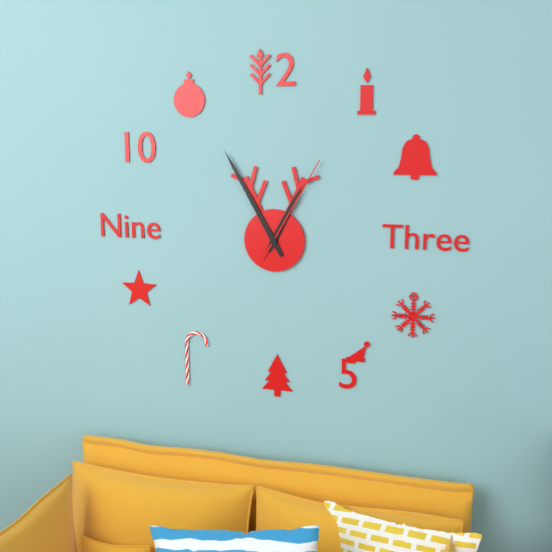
12:55:05
